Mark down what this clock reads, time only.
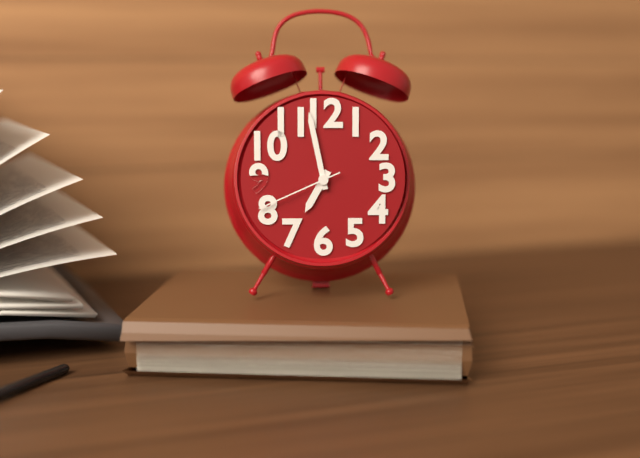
6:58:41
